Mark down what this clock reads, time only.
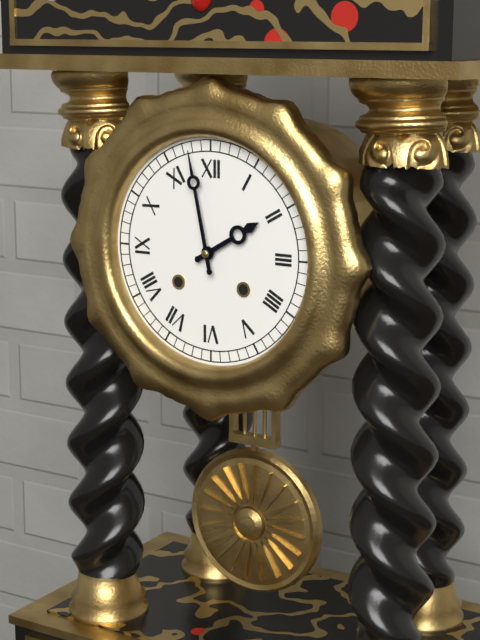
1:58
